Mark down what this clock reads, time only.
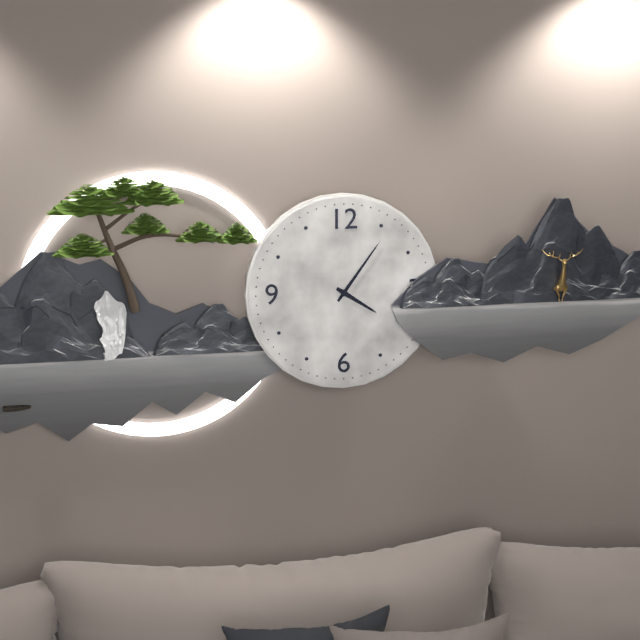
4:06
